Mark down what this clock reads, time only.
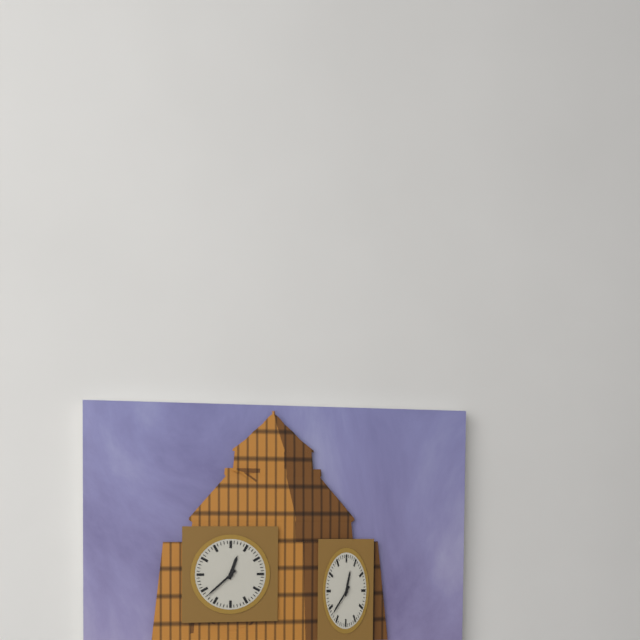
12:38
